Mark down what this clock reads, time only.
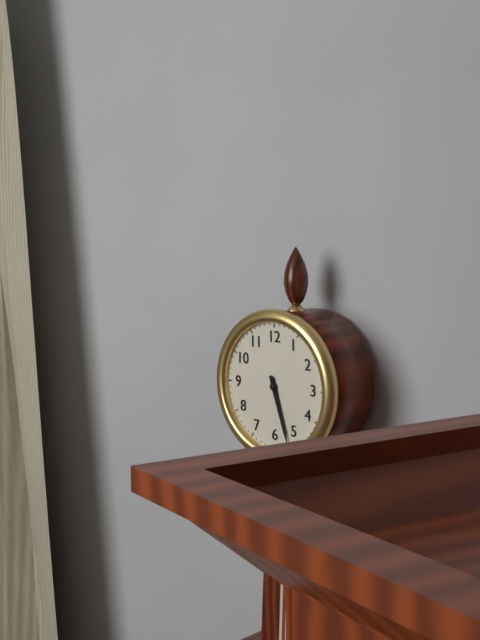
5:27
